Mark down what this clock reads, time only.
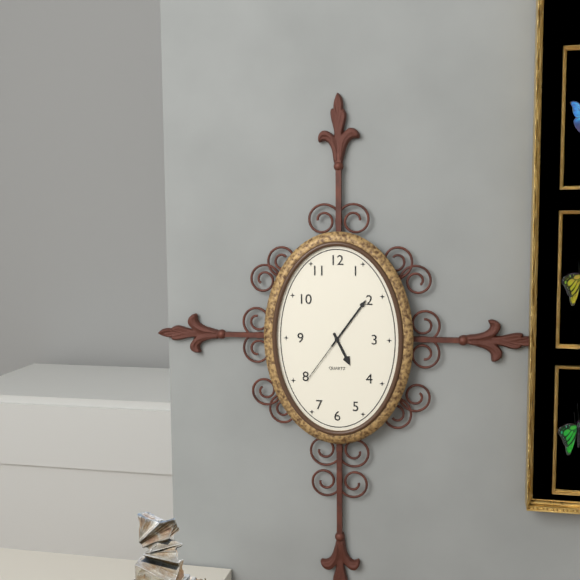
5:06:36
